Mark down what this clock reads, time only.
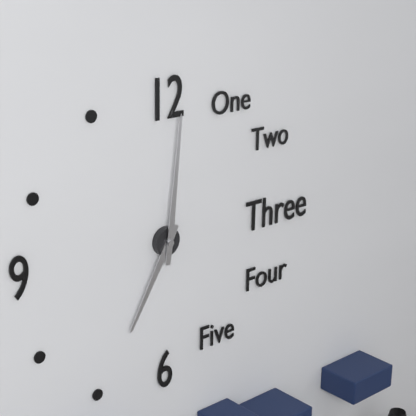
7:01
